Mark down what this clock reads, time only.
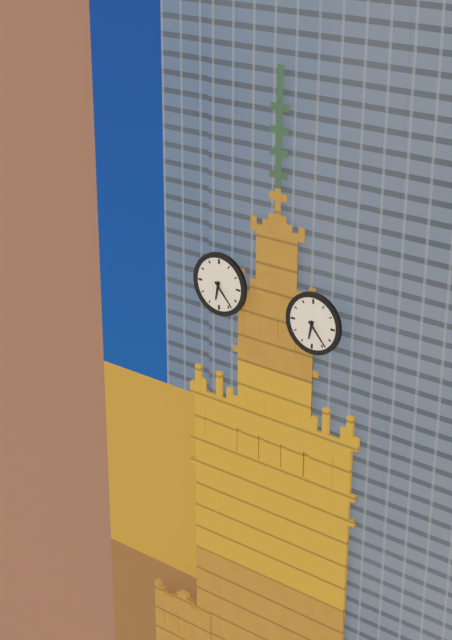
6:23
